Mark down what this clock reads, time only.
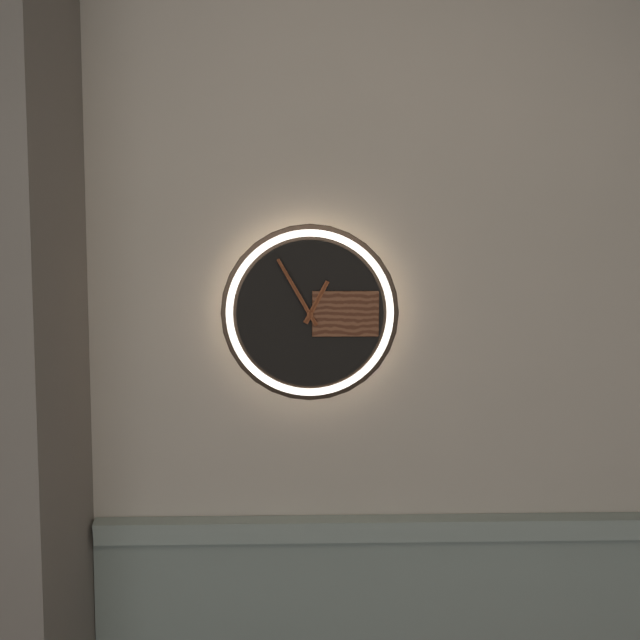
12:55
